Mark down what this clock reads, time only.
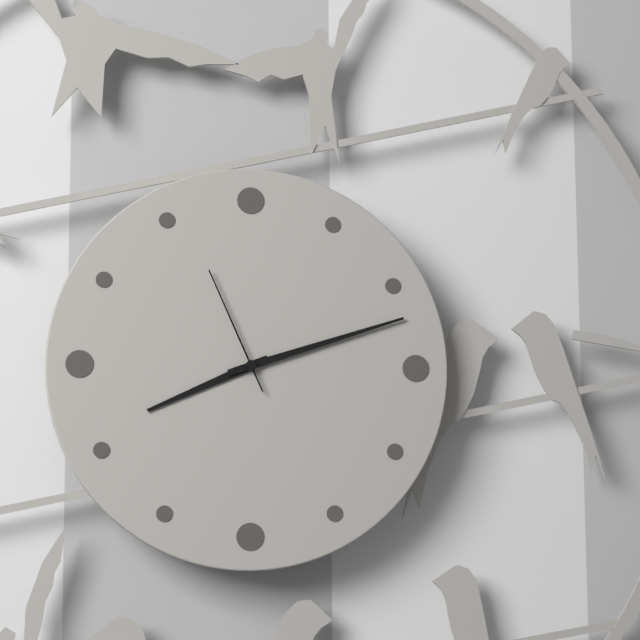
8:12:56
